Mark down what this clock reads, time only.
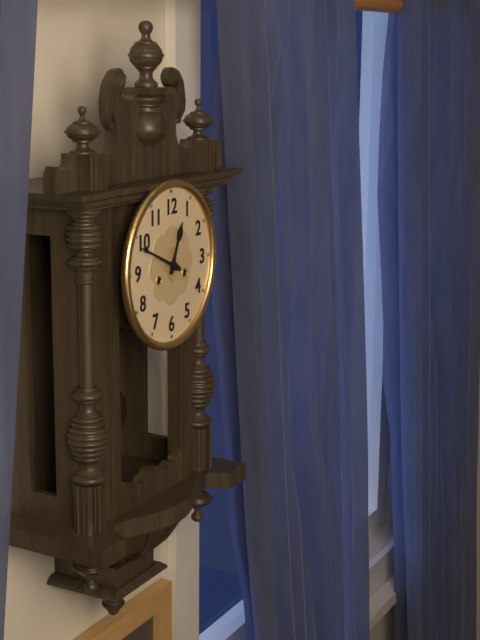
12:49
